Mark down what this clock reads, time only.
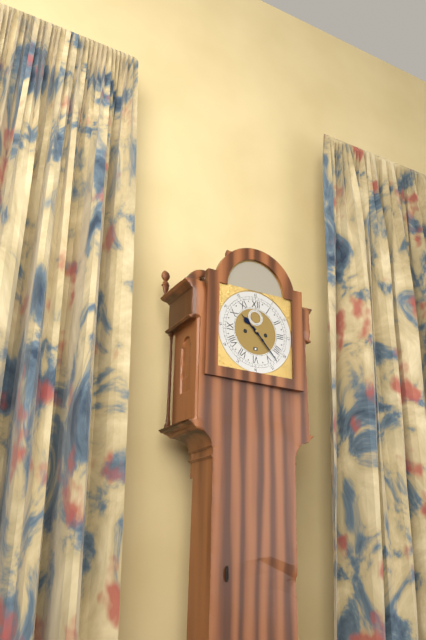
10:23
